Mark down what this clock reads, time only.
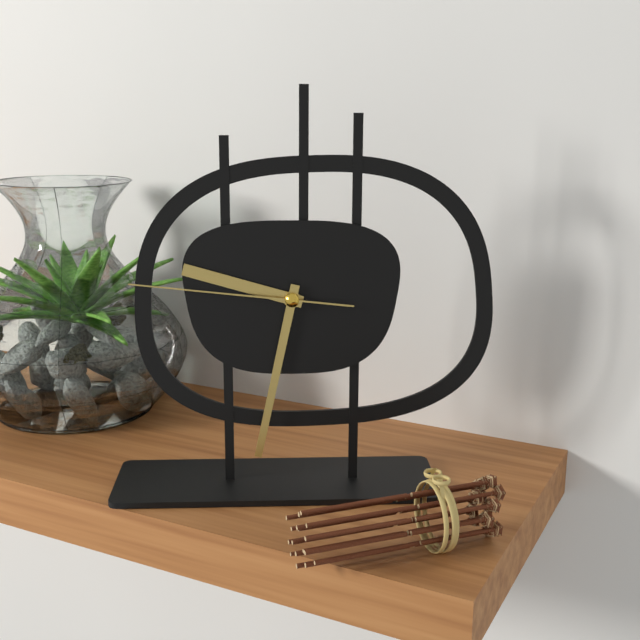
9:32:46
